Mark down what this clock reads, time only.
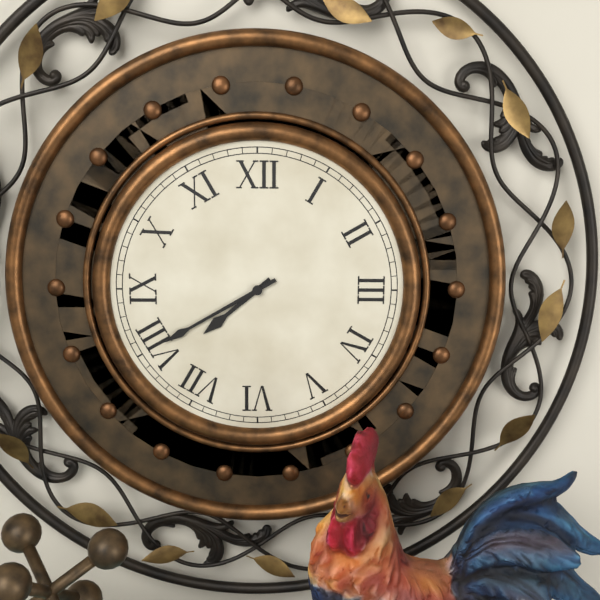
7:40
